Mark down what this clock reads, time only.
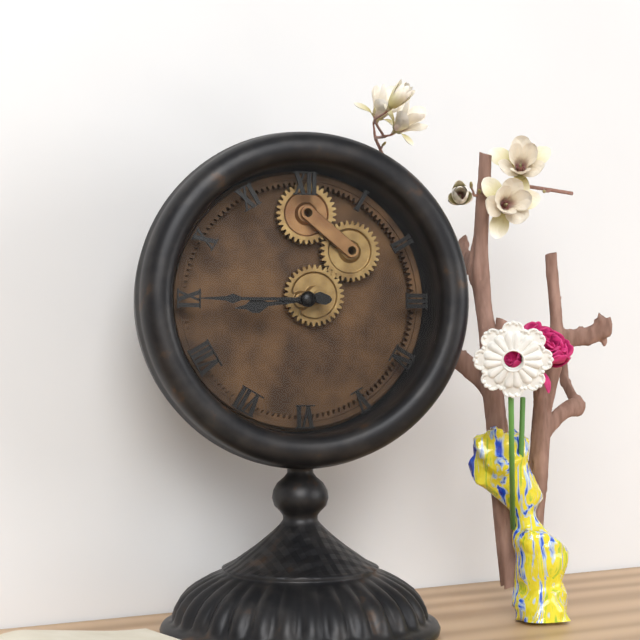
8:45
